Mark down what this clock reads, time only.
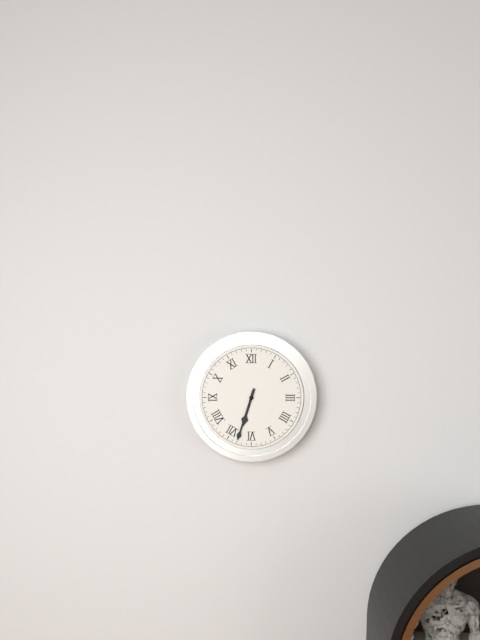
6:33
